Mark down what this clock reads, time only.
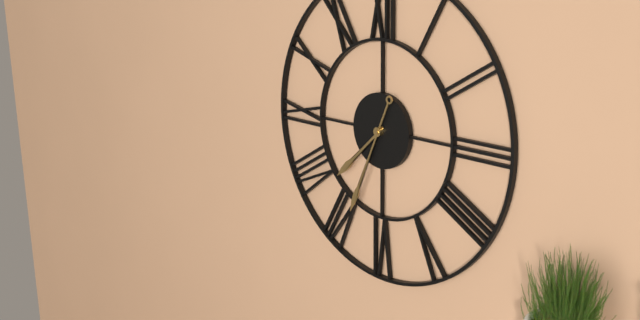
7:34
